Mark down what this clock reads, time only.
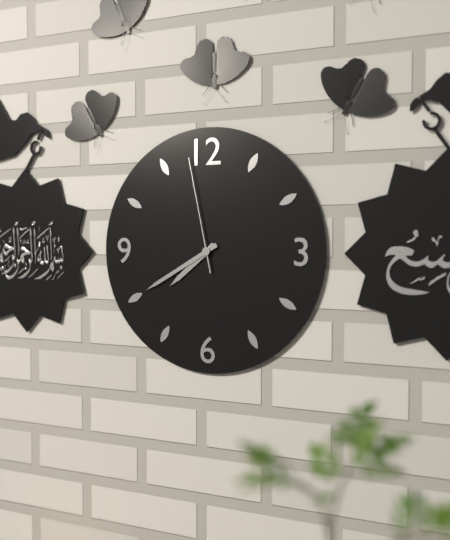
7:40:58
